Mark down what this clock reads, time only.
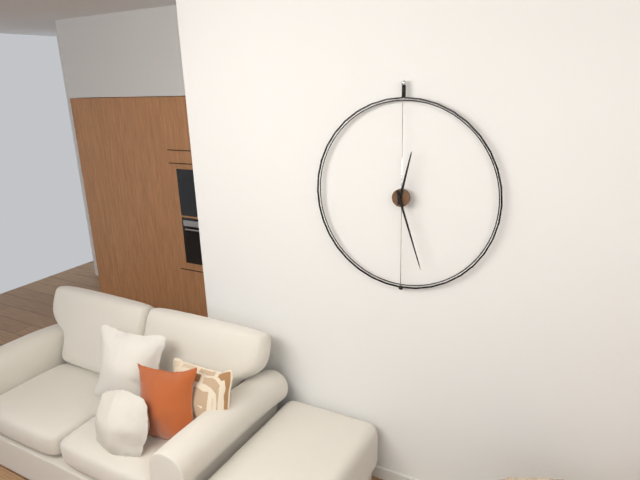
12:27
